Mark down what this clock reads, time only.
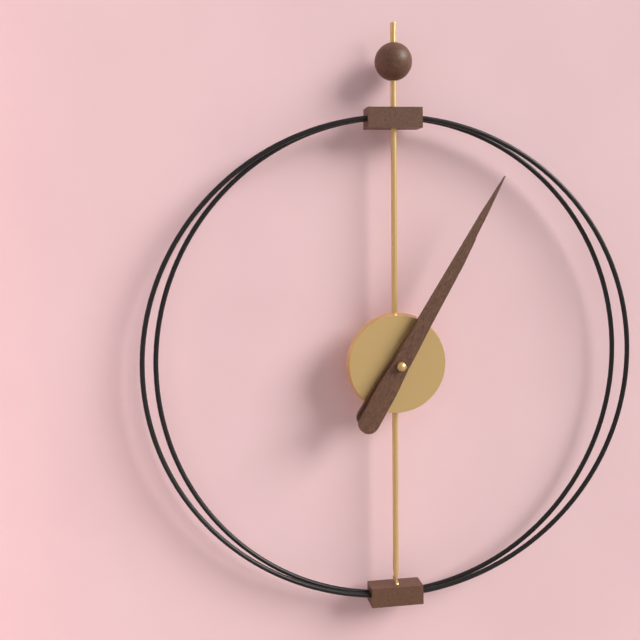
1:05
